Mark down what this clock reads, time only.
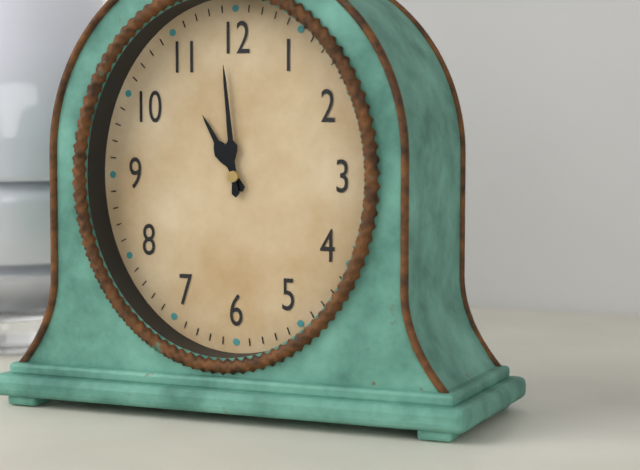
10:59
